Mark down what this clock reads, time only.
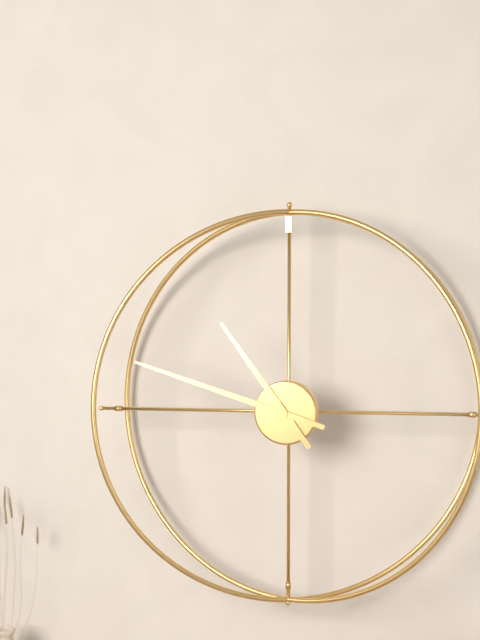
10:48
